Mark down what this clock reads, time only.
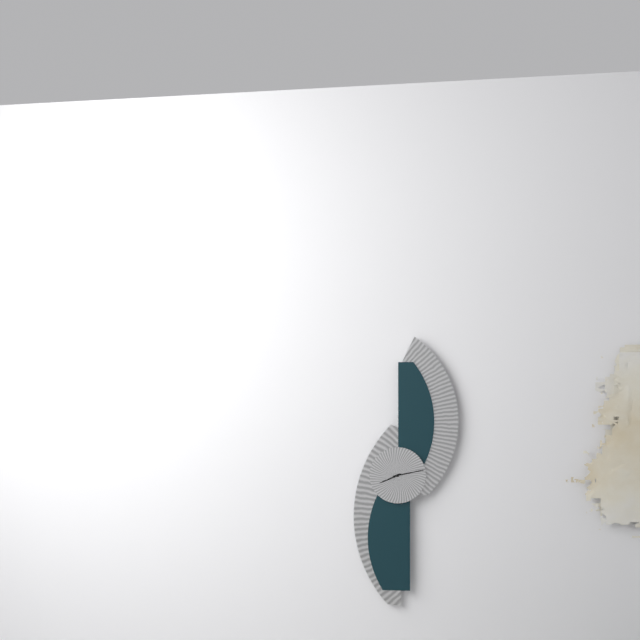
8:13
